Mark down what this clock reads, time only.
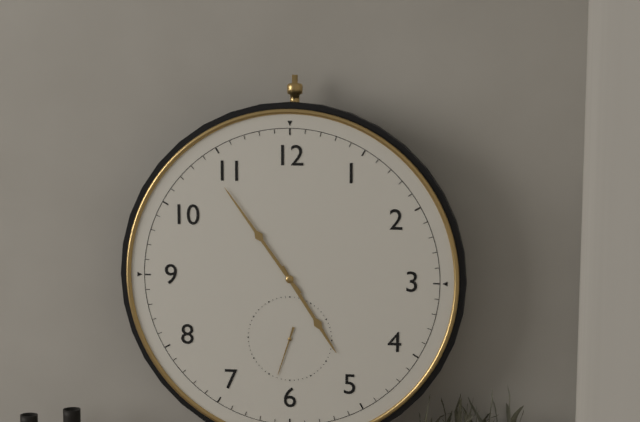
4:54
